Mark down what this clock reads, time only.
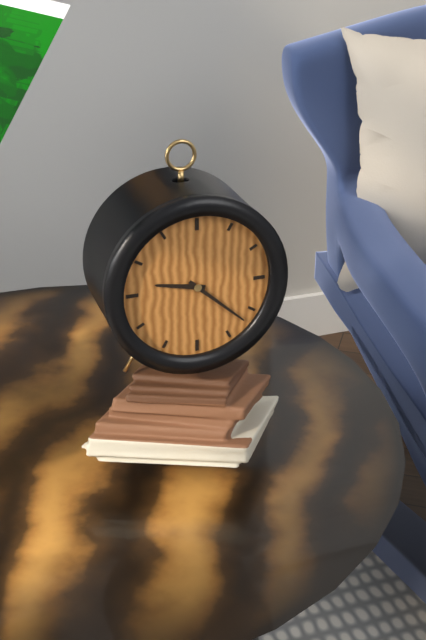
9:22
